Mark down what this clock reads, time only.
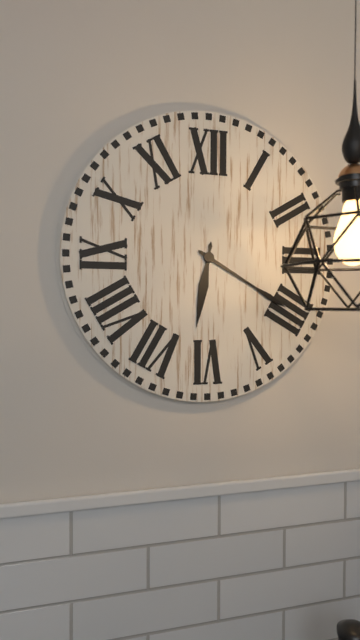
6:20
